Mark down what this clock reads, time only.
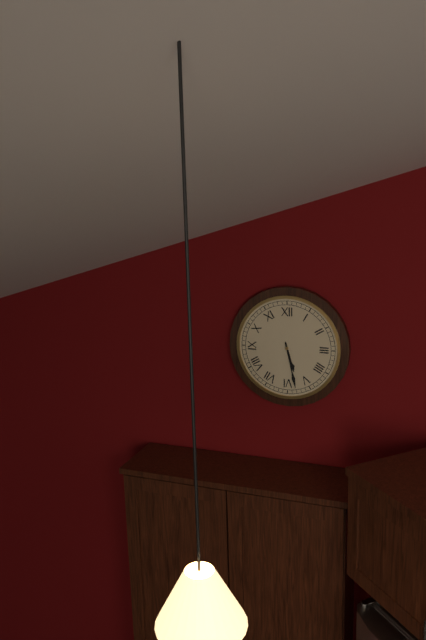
5:28
